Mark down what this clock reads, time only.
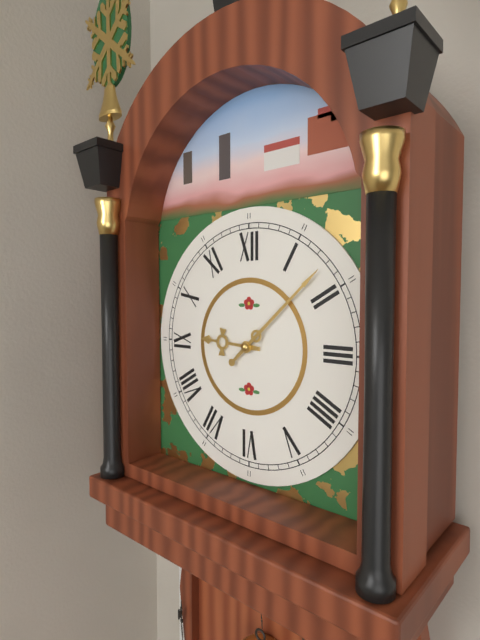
9:08
